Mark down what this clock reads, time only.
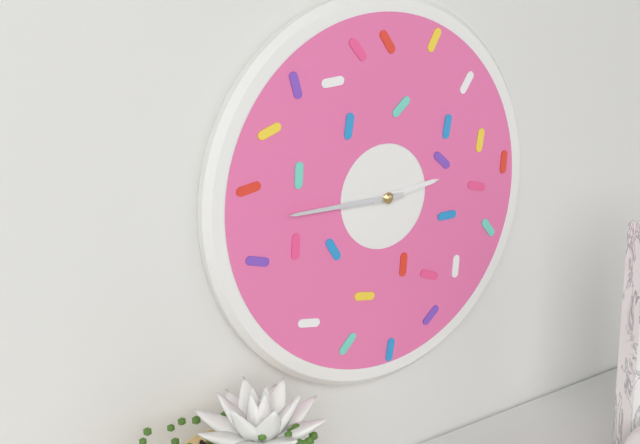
2:45
